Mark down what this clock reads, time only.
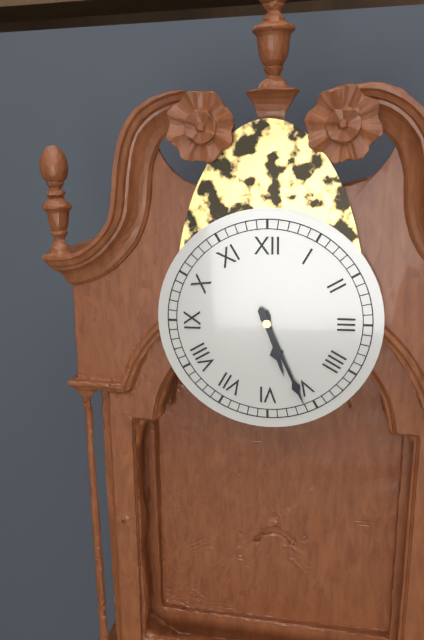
5:26
